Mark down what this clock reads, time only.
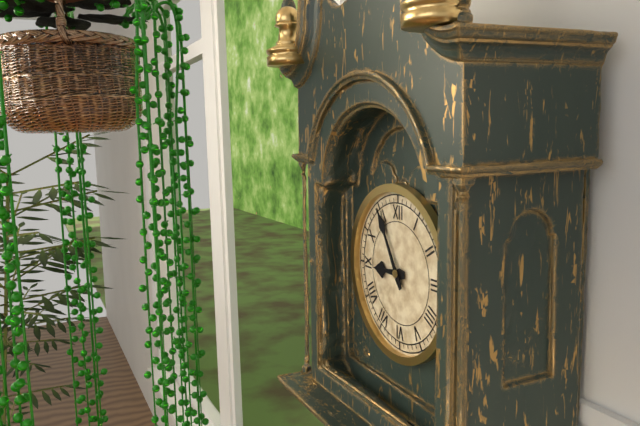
8:55
